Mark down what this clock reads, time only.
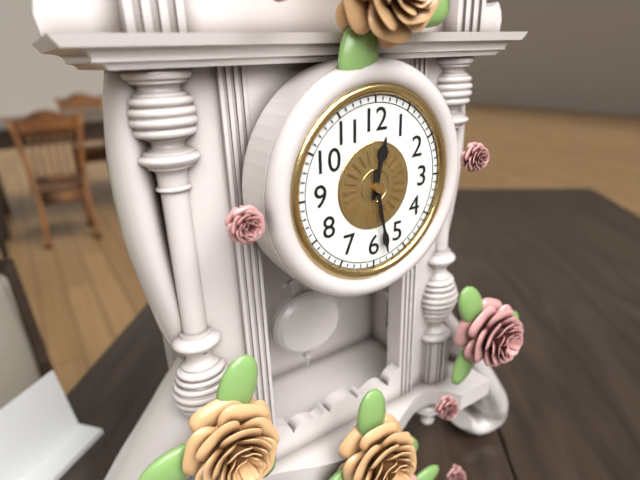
12:28
